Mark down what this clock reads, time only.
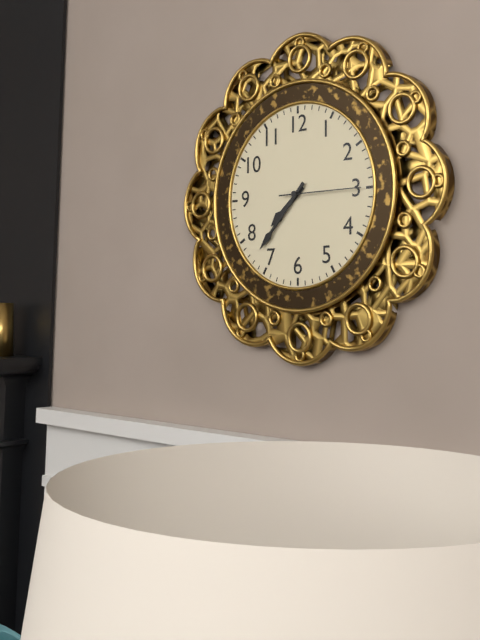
7:37:15
